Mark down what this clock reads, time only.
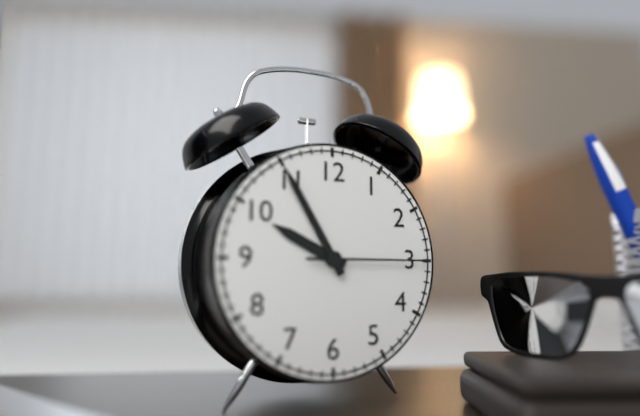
9:55:15
